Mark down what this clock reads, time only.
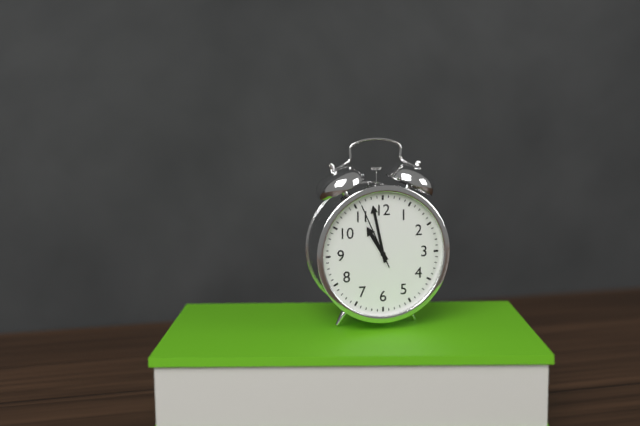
10:58:56
